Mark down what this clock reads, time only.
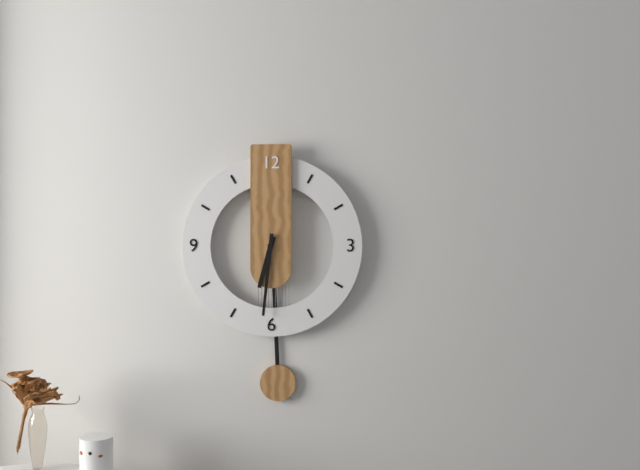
6:31
